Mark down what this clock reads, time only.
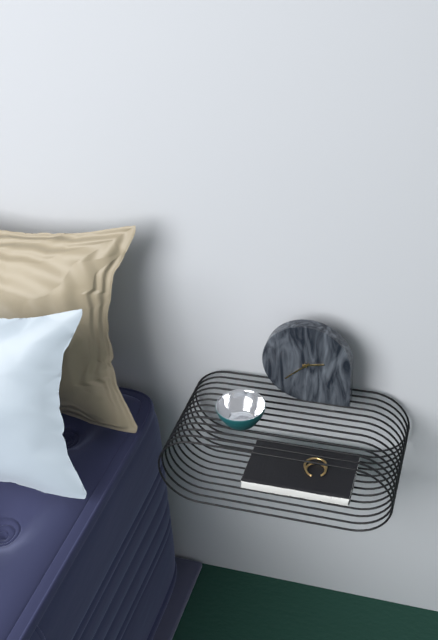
2:38
